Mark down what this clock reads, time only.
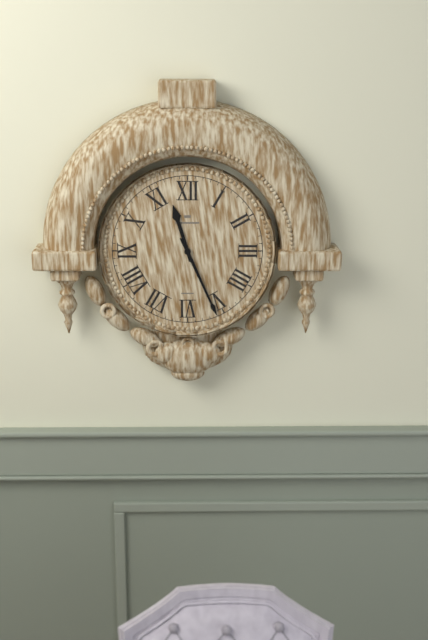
11:26
